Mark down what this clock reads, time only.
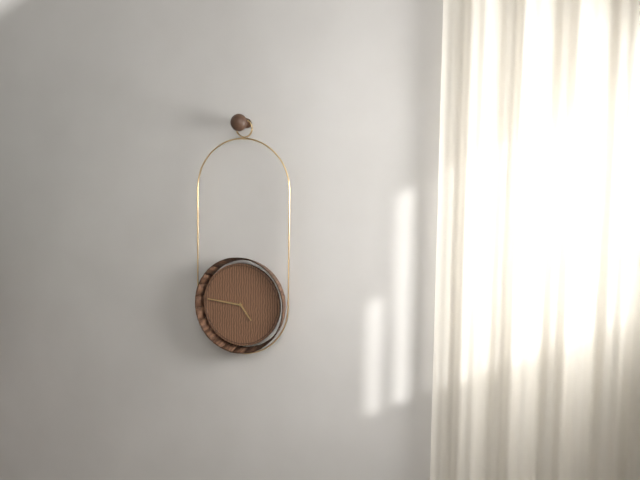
4:46
